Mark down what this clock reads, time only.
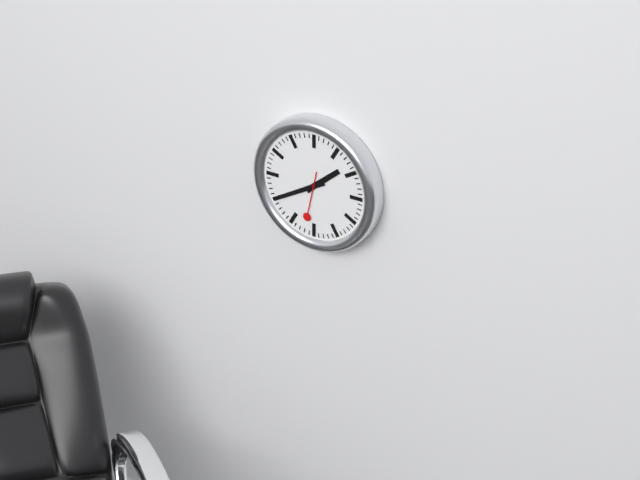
1:40
